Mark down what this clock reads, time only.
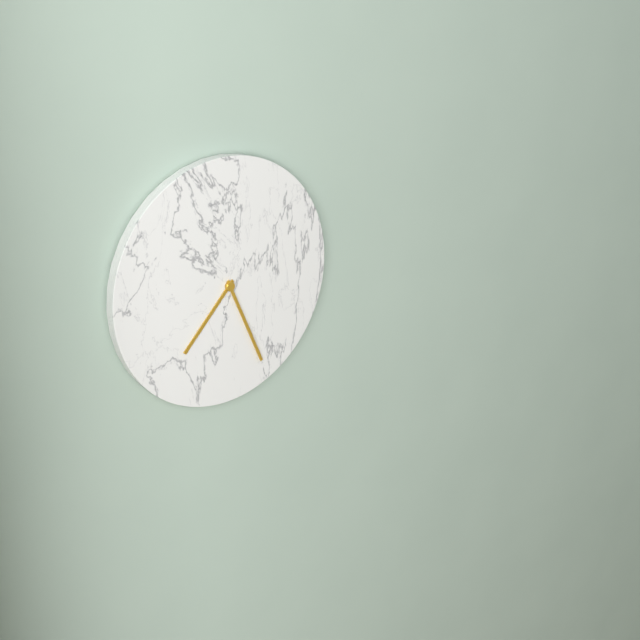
7:26
